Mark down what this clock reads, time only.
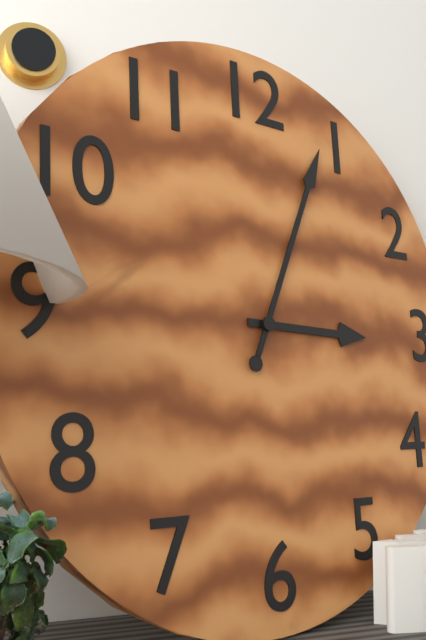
3:04
